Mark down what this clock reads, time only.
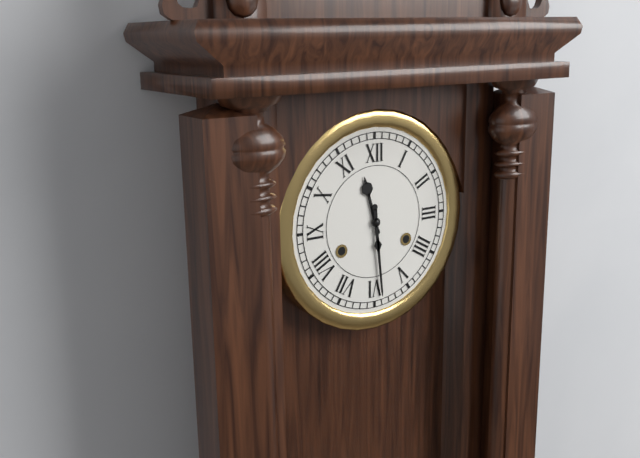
11:29
